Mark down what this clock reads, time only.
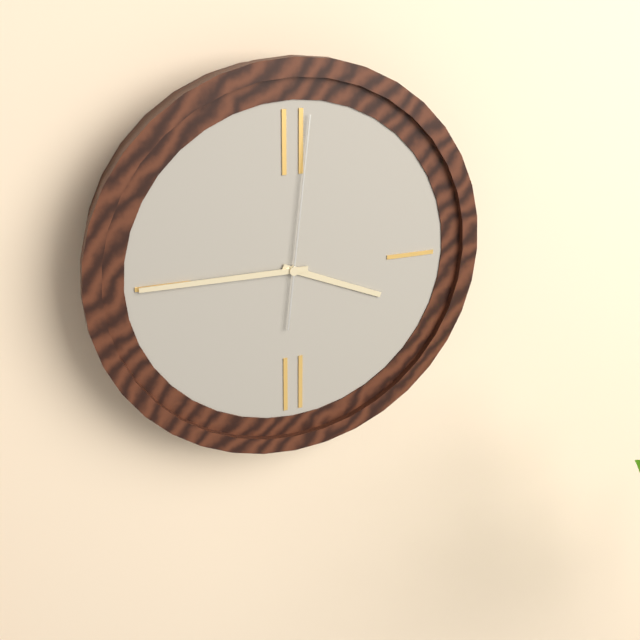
3:45:01
